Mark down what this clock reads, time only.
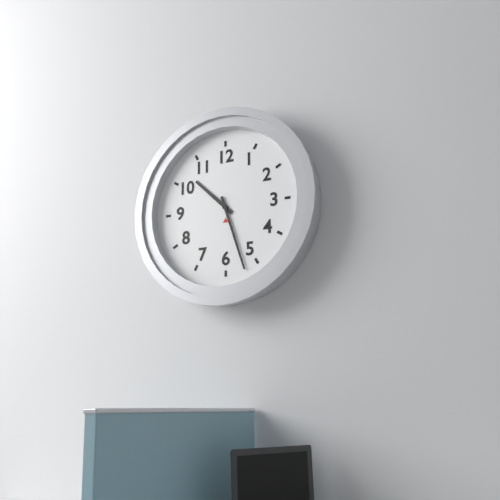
10:27
